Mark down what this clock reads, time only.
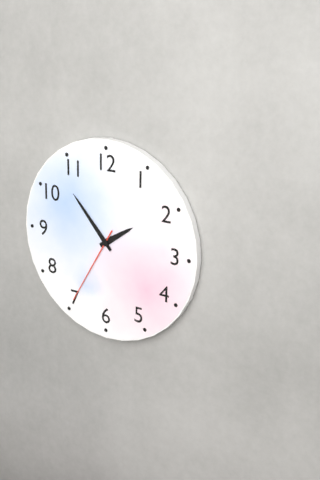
1:53:35
